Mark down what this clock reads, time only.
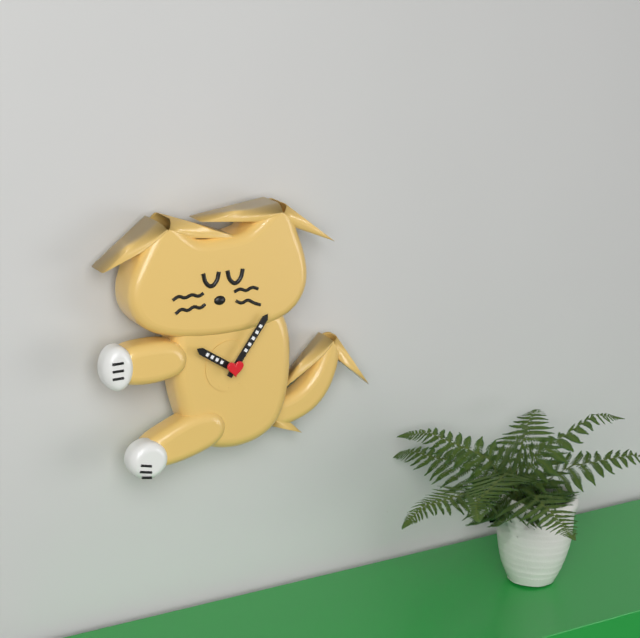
10:06
